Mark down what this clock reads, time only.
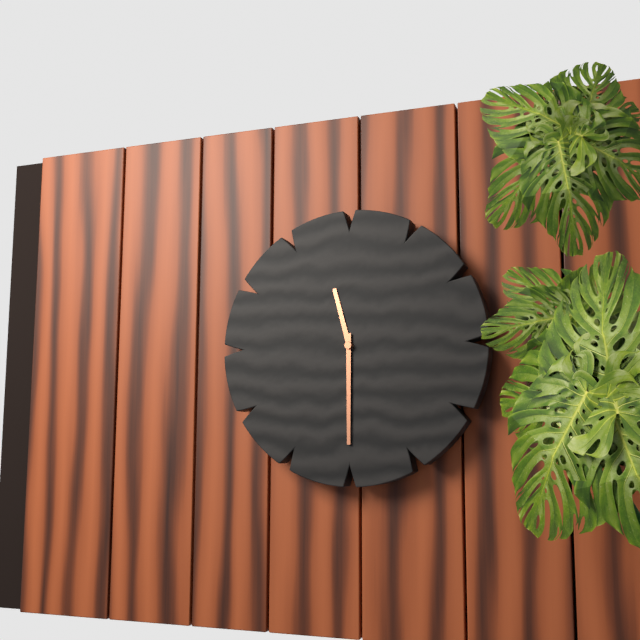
11:30
